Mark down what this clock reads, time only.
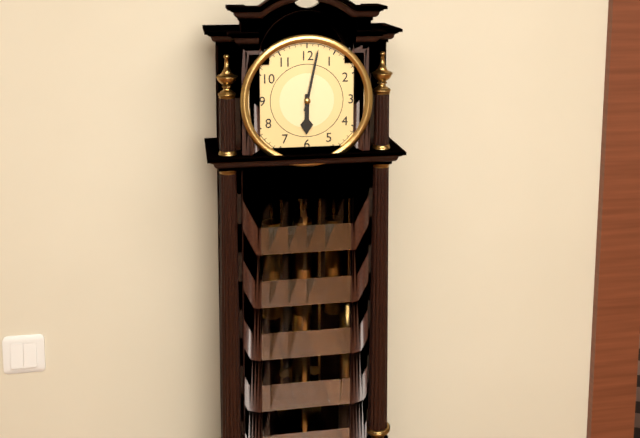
6:02
